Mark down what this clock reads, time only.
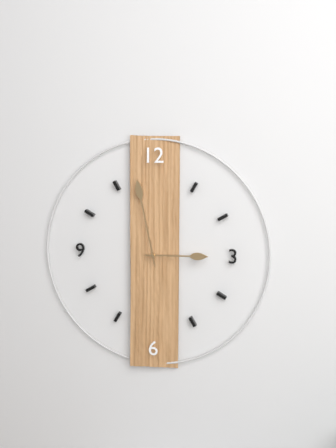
2:58
